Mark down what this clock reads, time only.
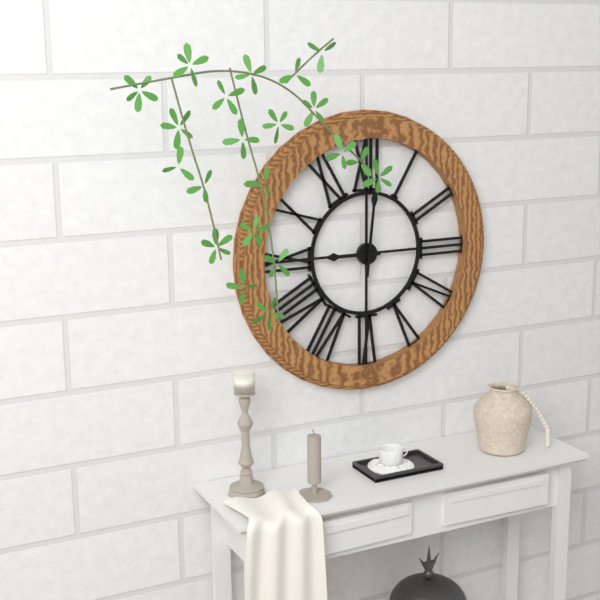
9:01
